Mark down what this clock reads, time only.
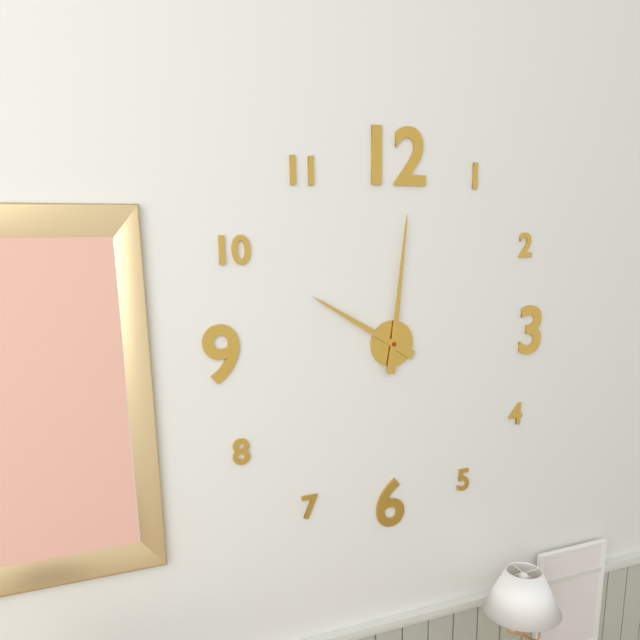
10:01
